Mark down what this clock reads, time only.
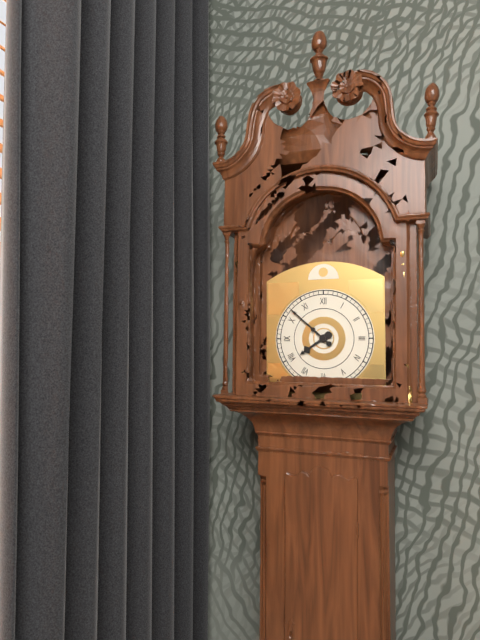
7:52
